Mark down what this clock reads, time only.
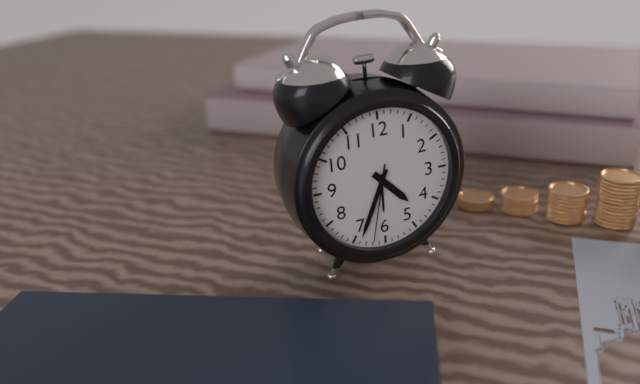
4:34:32
